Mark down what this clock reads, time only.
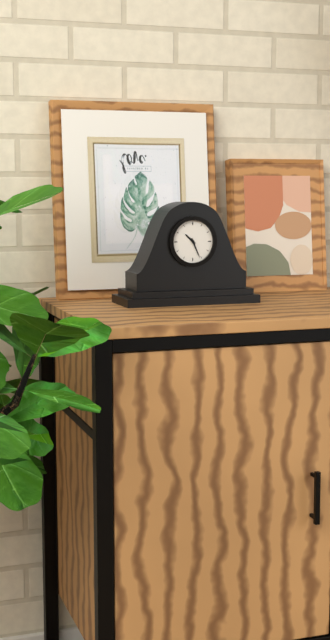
10:26
